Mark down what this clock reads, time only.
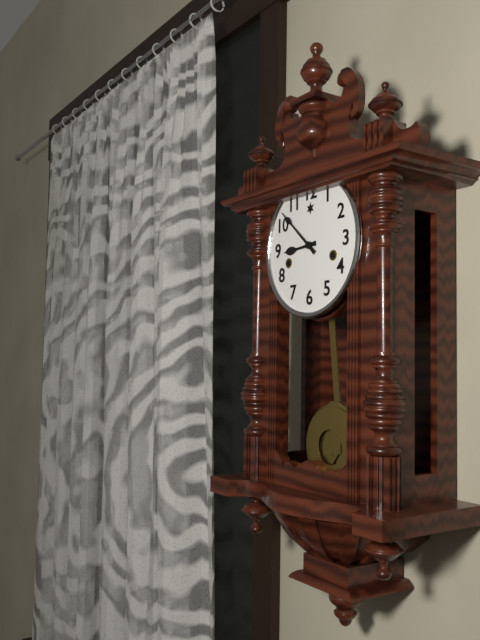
8:52
